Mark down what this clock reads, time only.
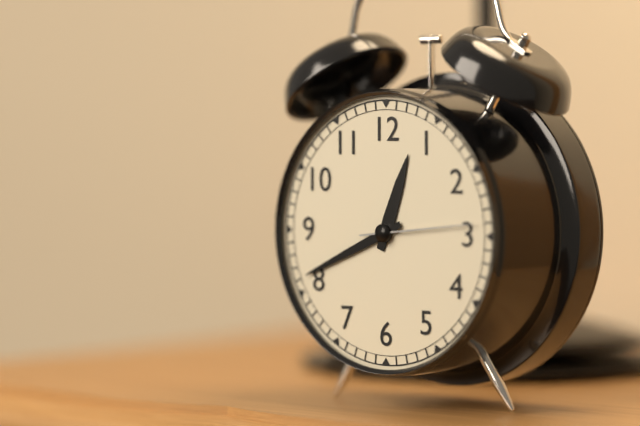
12:41:14
